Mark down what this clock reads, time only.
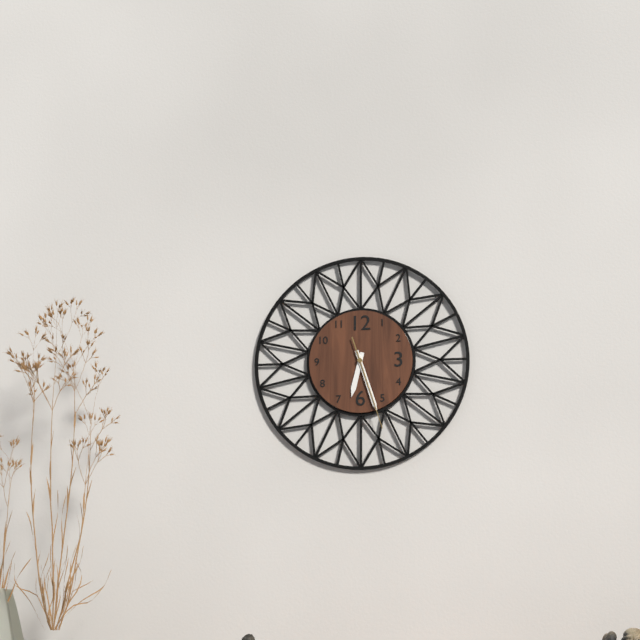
6:27:27
